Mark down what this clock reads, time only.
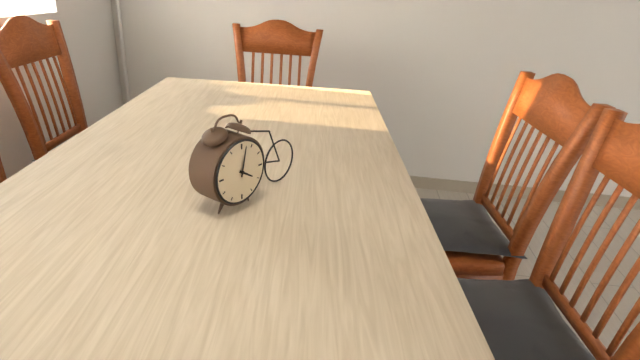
4:02
